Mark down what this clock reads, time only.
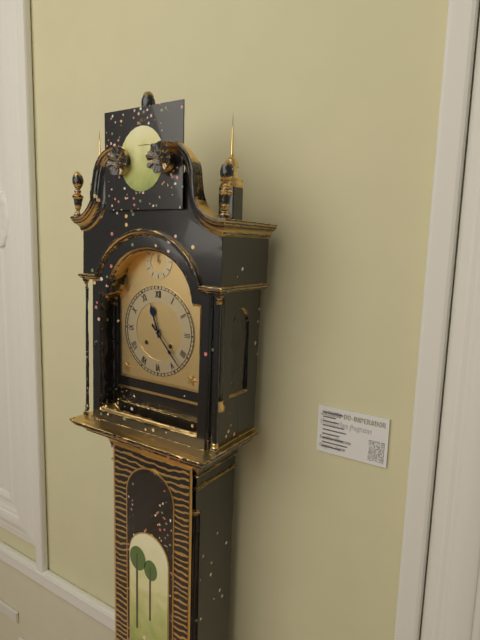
11:23
